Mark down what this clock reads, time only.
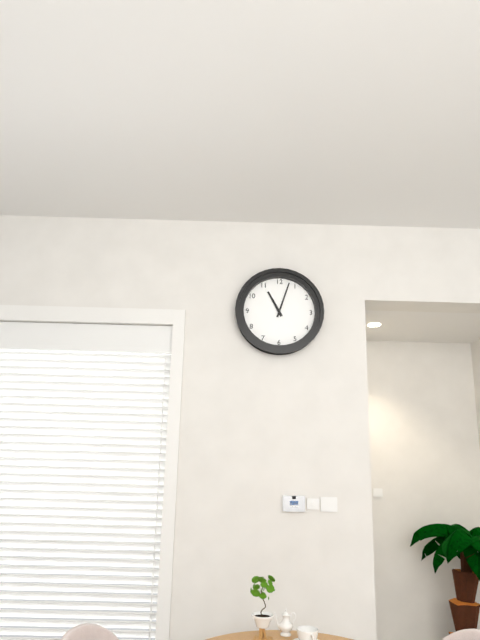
11:03
